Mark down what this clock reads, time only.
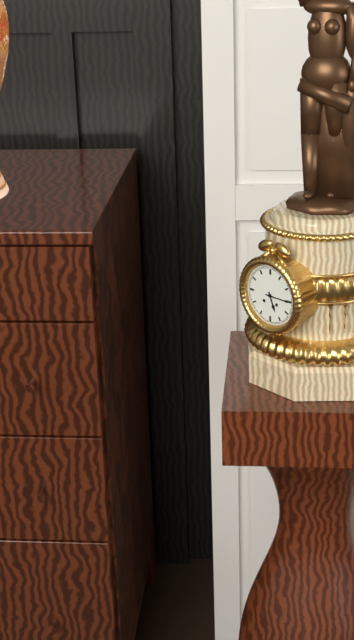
5:15
